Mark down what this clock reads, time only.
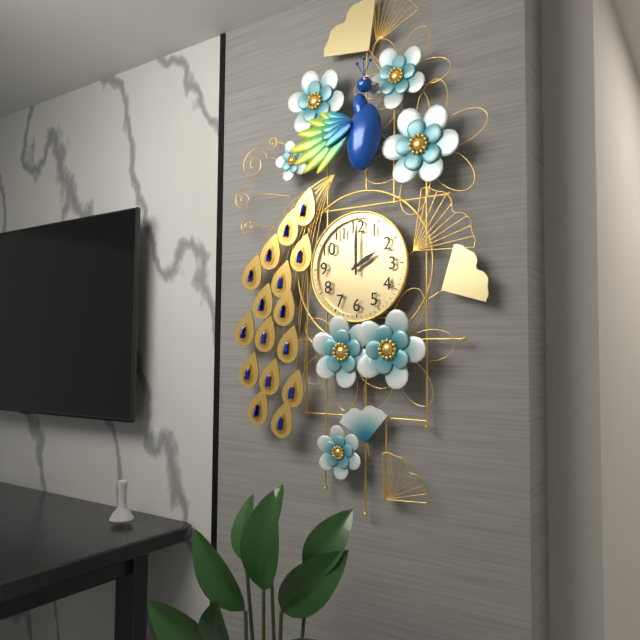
2:00
